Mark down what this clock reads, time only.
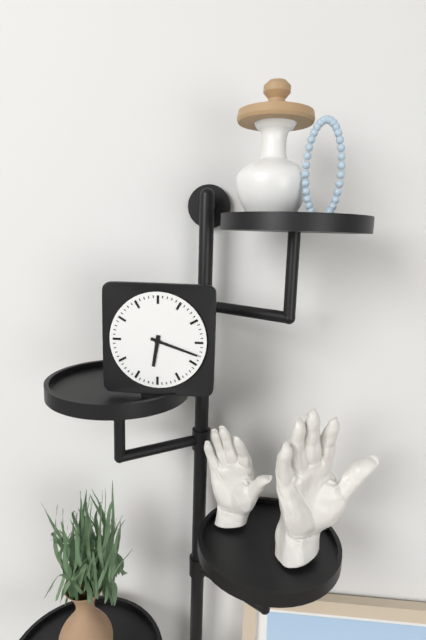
6:18
